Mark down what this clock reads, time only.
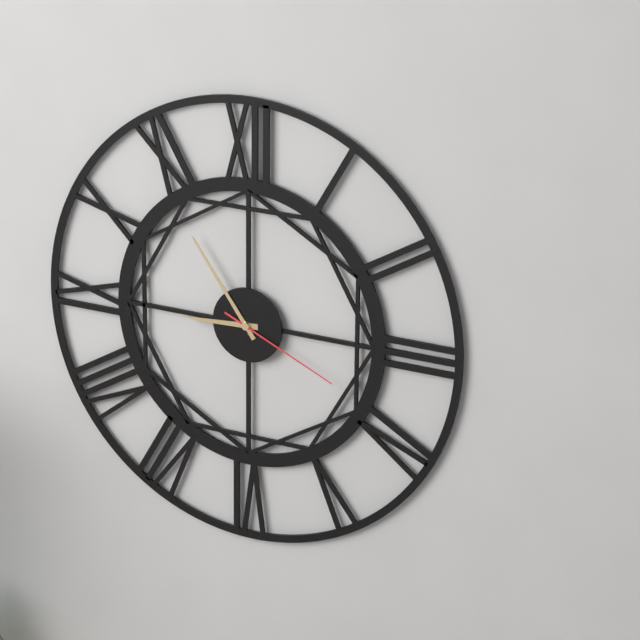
8:54:19
